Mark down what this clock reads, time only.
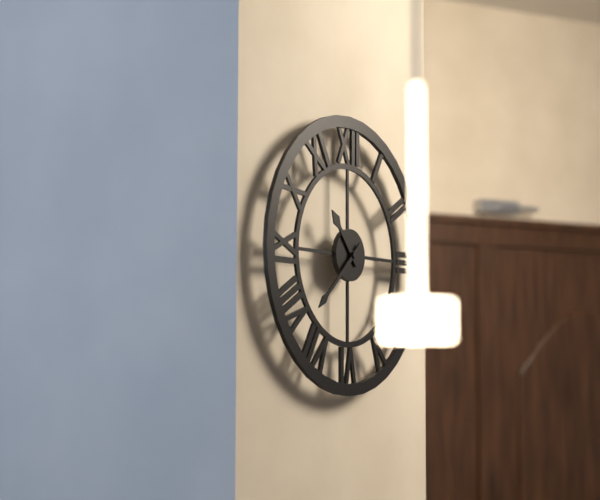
10:38
